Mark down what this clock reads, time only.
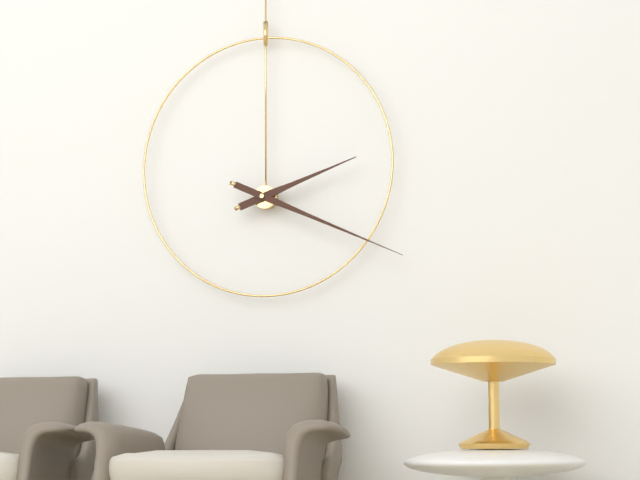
2:19
